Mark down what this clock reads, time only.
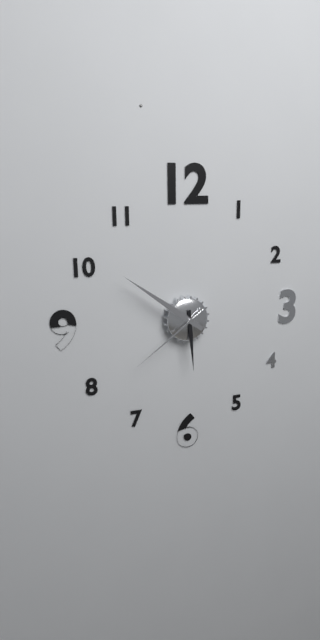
5:51:39
